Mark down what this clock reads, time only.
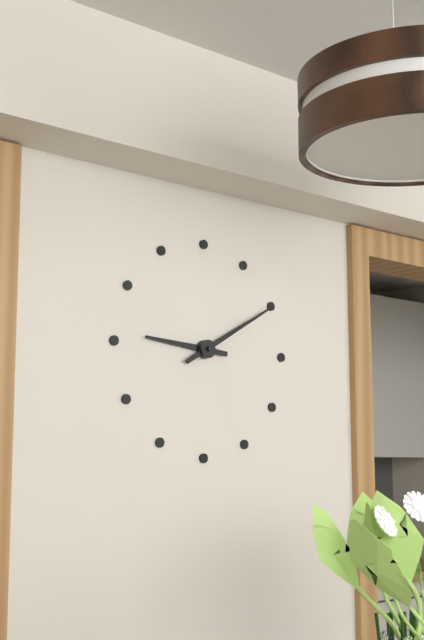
9:10
